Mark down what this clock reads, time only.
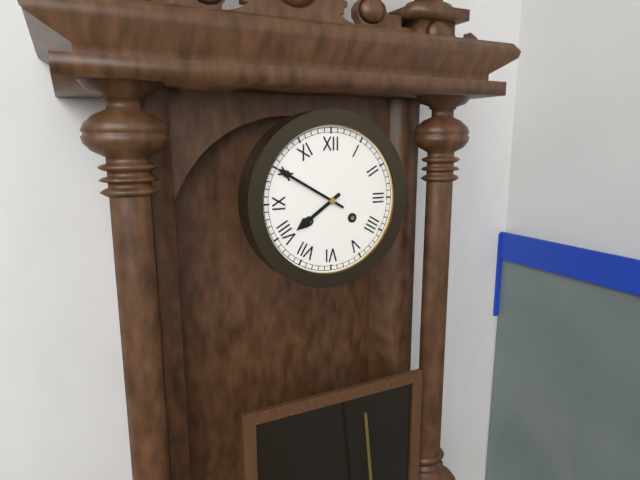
7:50
